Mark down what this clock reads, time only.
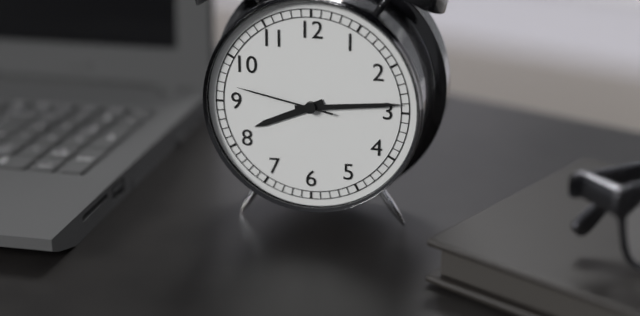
8:14:47
